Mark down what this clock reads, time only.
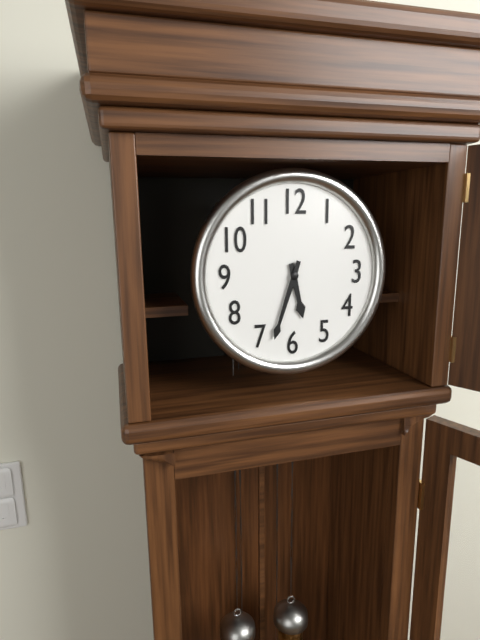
5:33
